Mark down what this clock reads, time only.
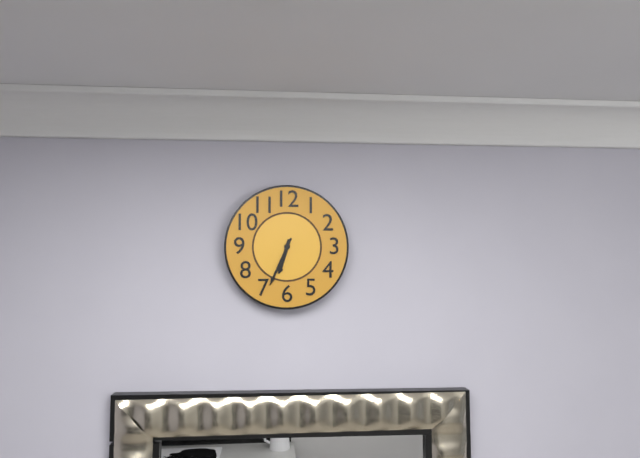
6:34
